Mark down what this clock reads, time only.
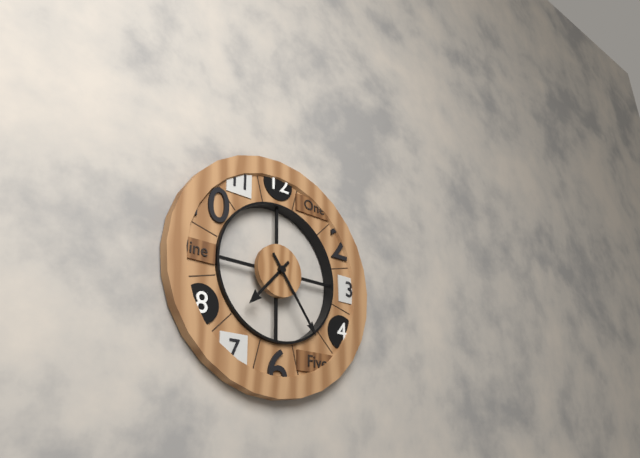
7:24
